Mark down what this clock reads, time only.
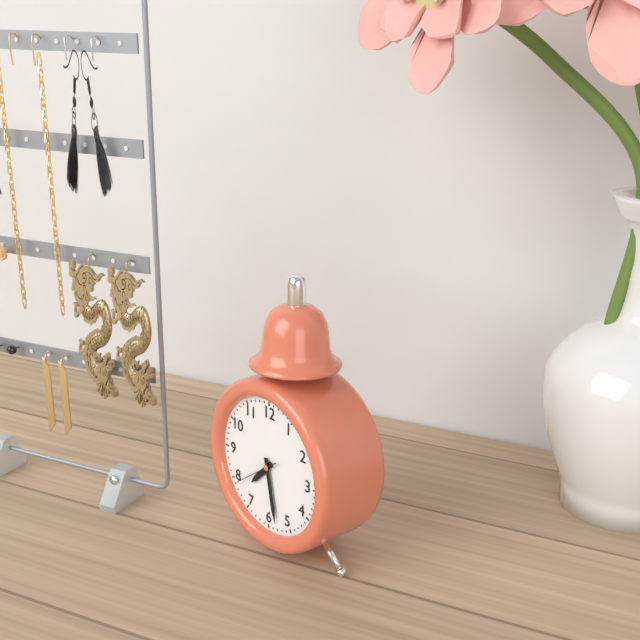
7:28
